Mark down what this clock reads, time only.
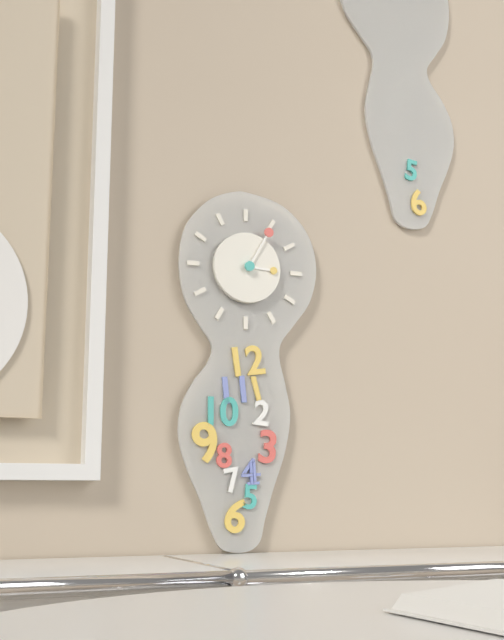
3:05
